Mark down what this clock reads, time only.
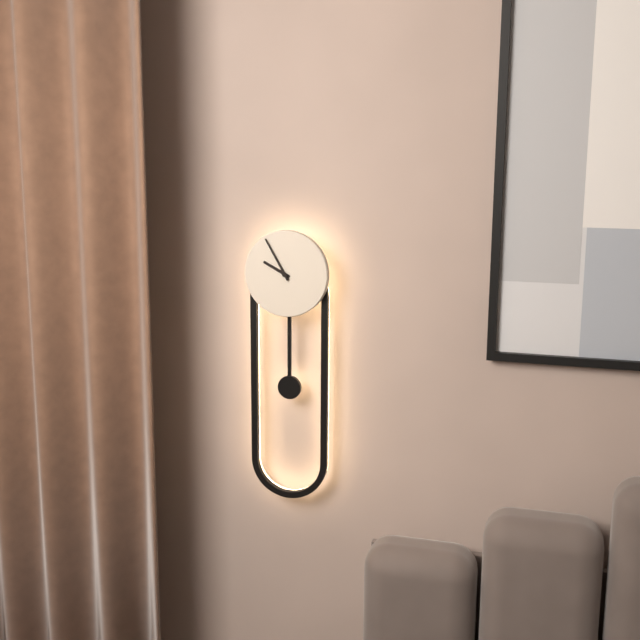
9:55
